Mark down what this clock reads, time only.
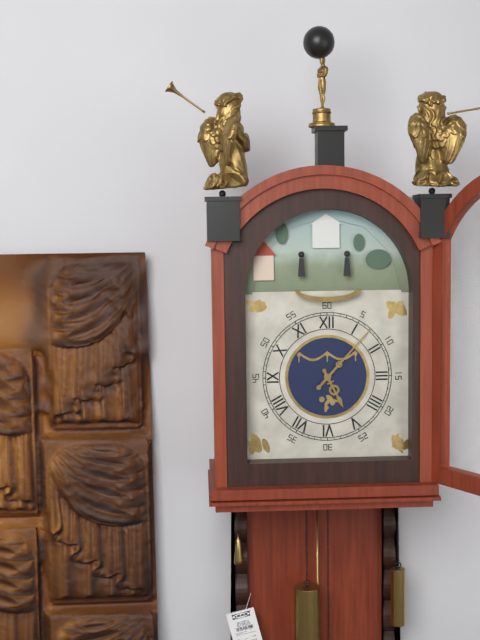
5:07
